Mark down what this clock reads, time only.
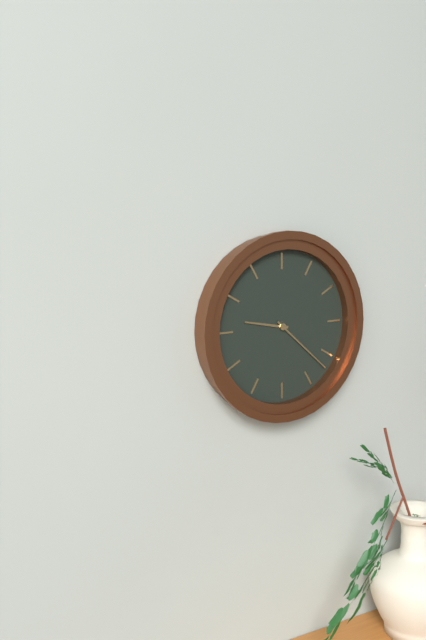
9:22
